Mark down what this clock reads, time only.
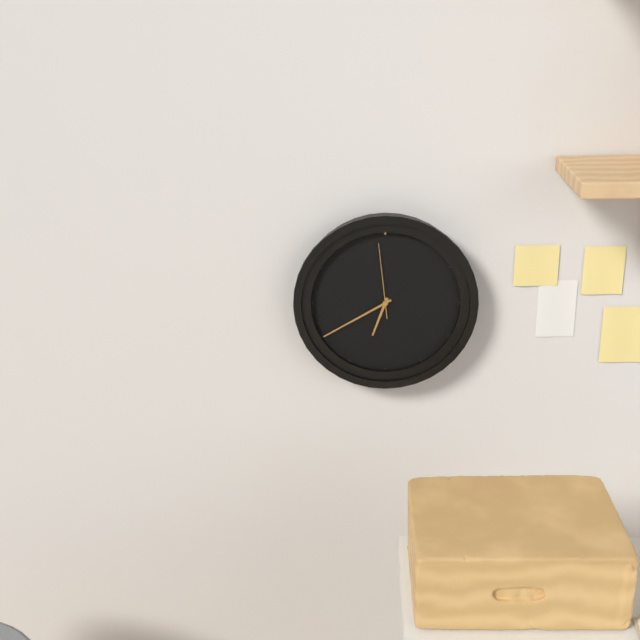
6:40:59
